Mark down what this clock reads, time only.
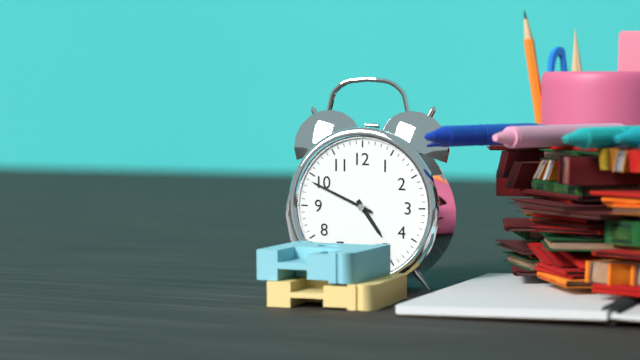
4:49
